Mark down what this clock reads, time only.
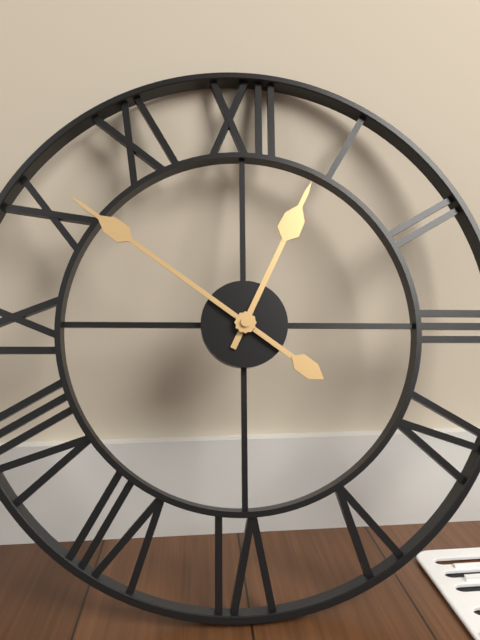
12:51
